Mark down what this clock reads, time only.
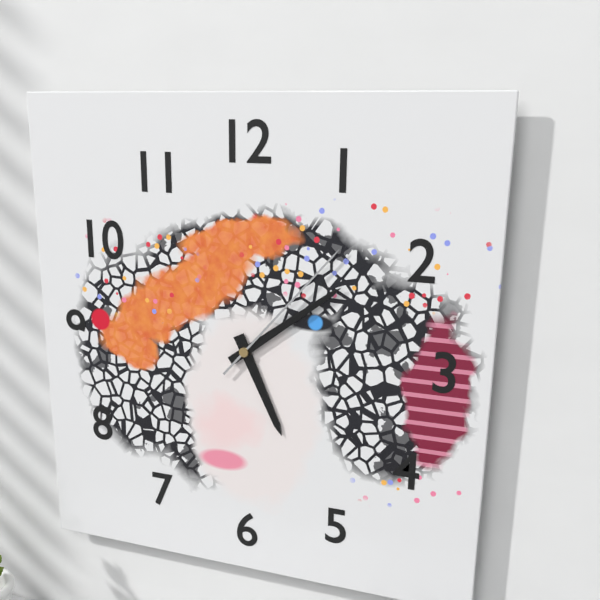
5:09:07
